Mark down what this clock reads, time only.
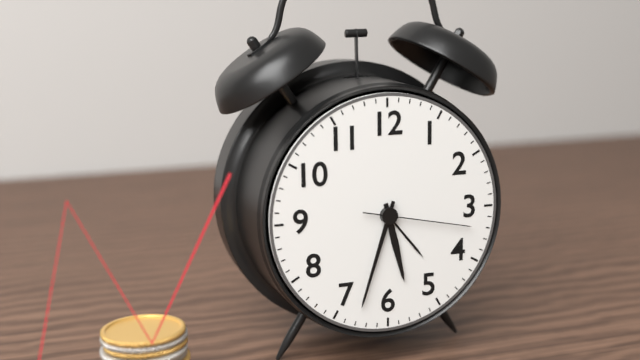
5:33:17
